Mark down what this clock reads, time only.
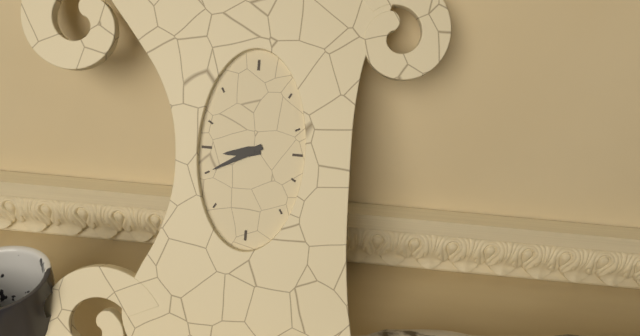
8:40
